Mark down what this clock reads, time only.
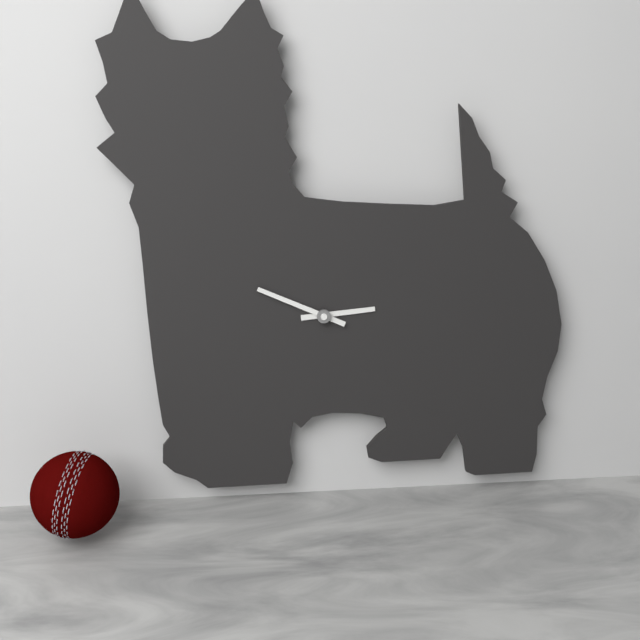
2:49
